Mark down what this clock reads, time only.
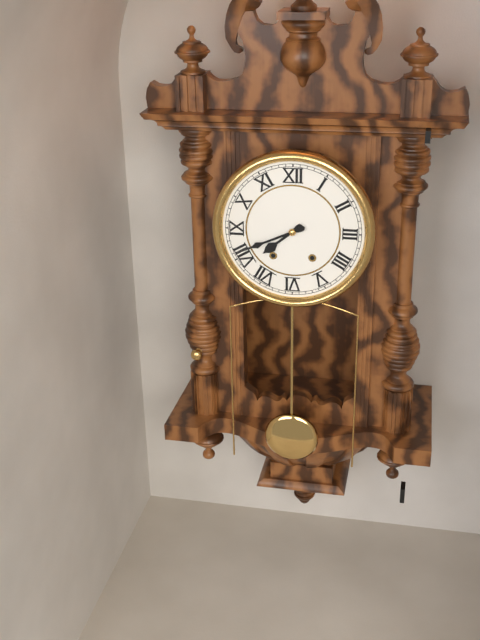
7:41
